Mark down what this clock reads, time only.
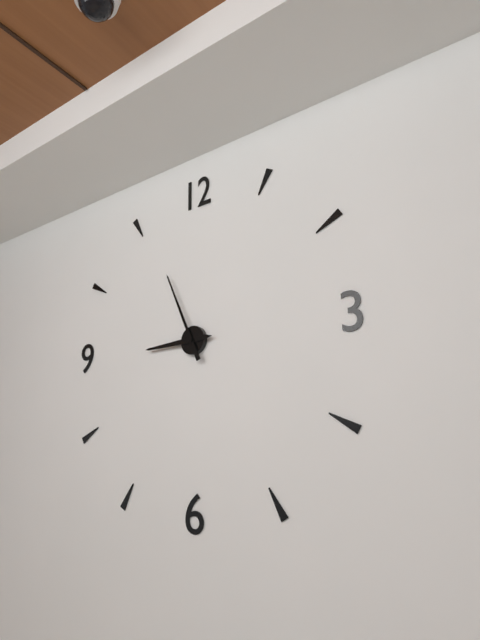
8:56
